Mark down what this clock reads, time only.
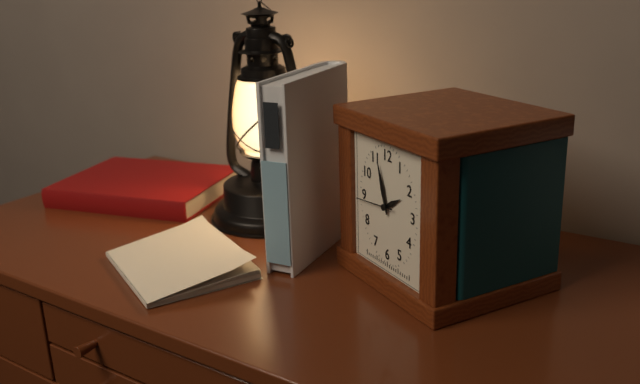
1:57
